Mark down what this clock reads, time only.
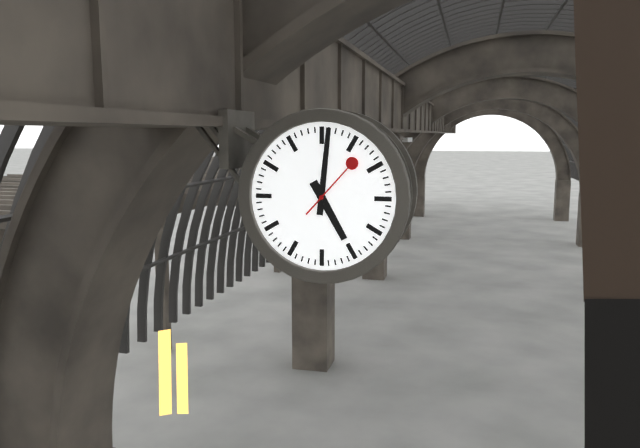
5:01:07
